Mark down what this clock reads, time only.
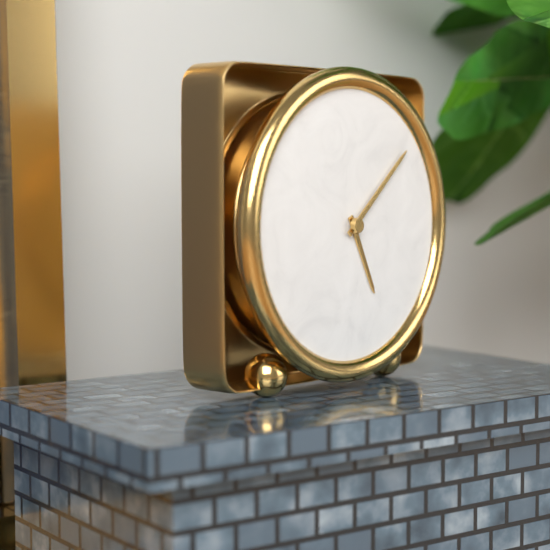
5:08
